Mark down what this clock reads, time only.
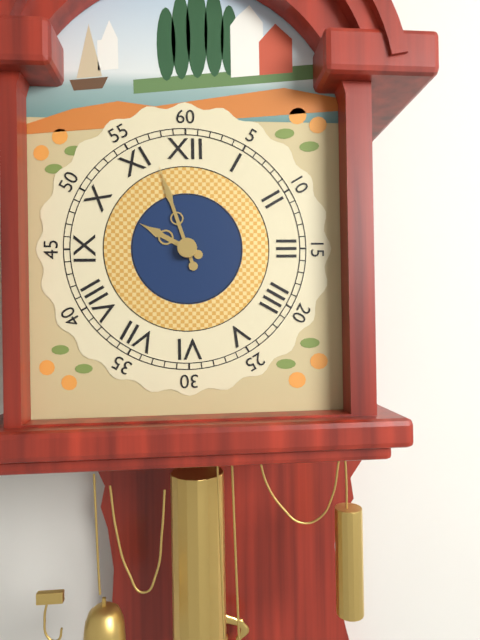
9:57
